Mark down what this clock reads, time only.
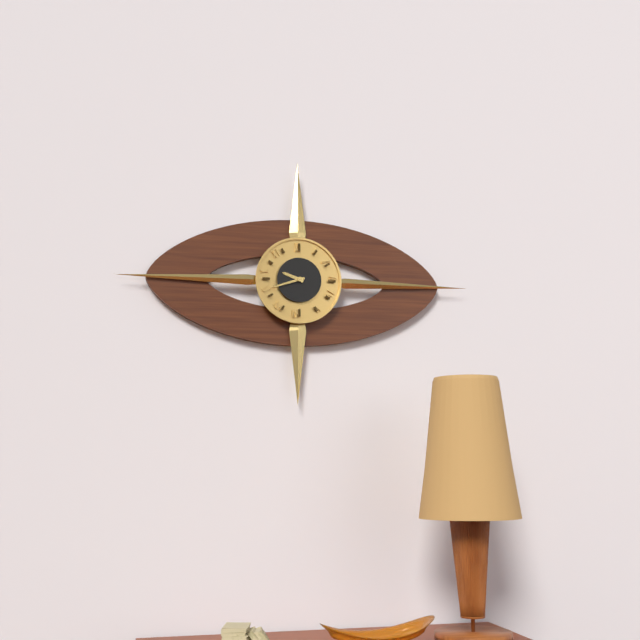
9:42
